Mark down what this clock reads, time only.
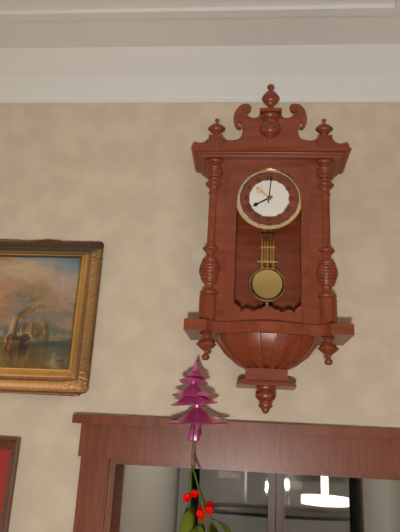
8:01
